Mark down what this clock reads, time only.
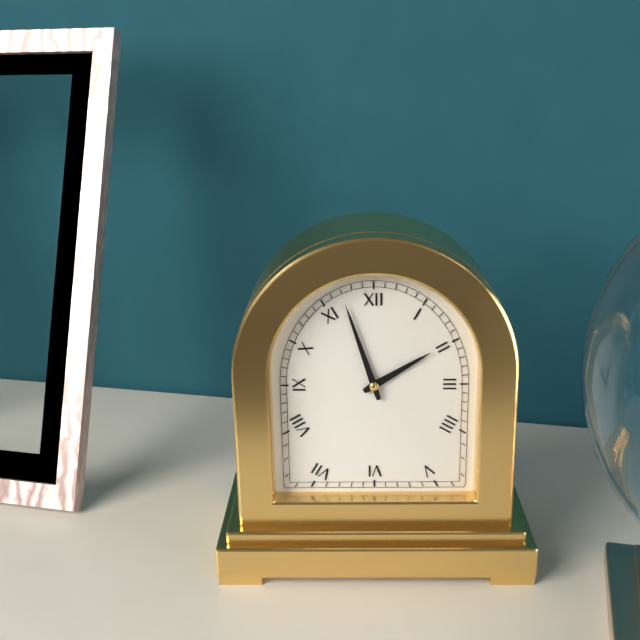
1:57
